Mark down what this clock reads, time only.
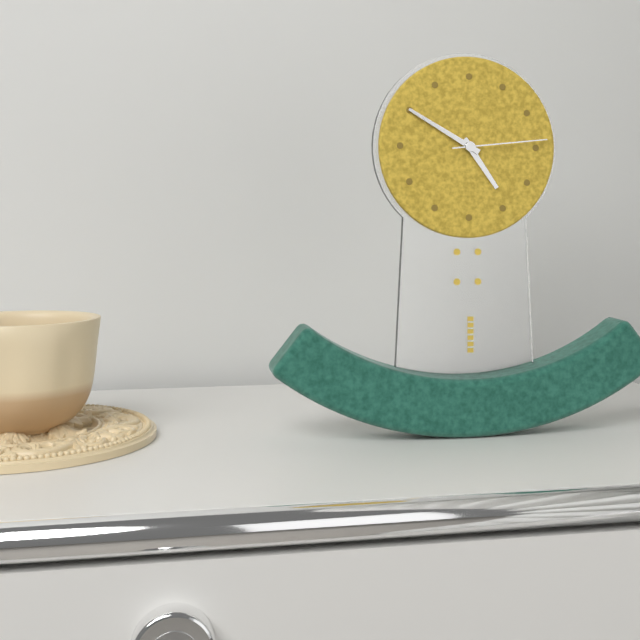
4:50:14
